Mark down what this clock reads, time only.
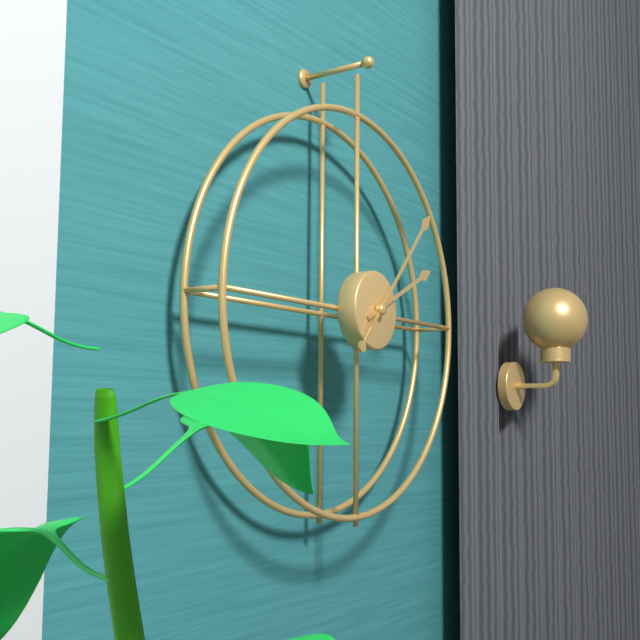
2:07
